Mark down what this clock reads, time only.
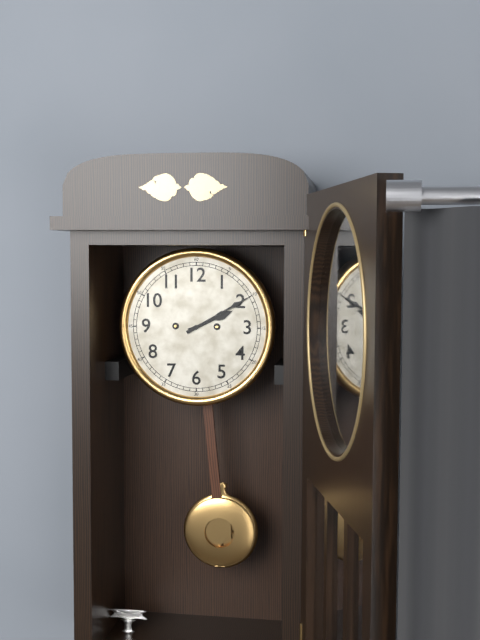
2:10
